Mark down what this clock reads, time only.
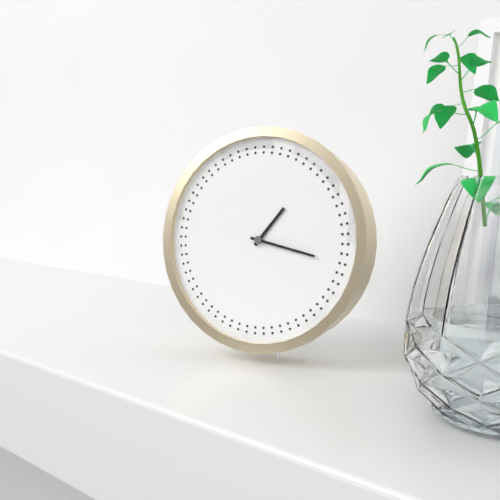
1:17
